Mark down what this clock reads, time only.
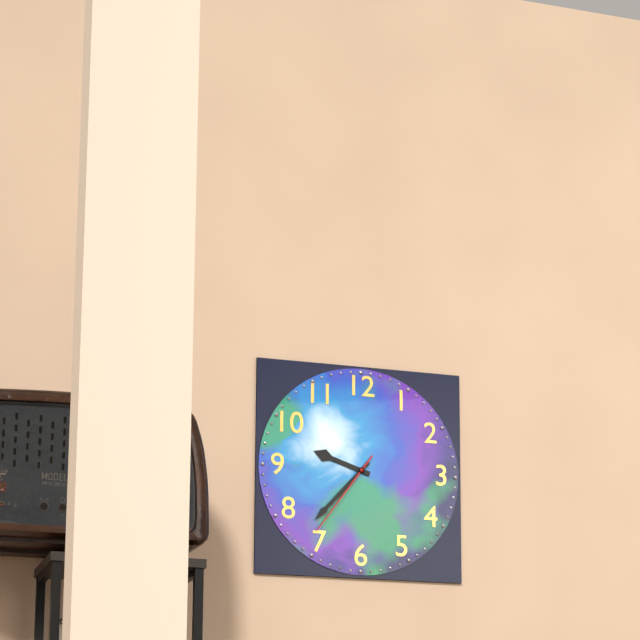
9:37:36
